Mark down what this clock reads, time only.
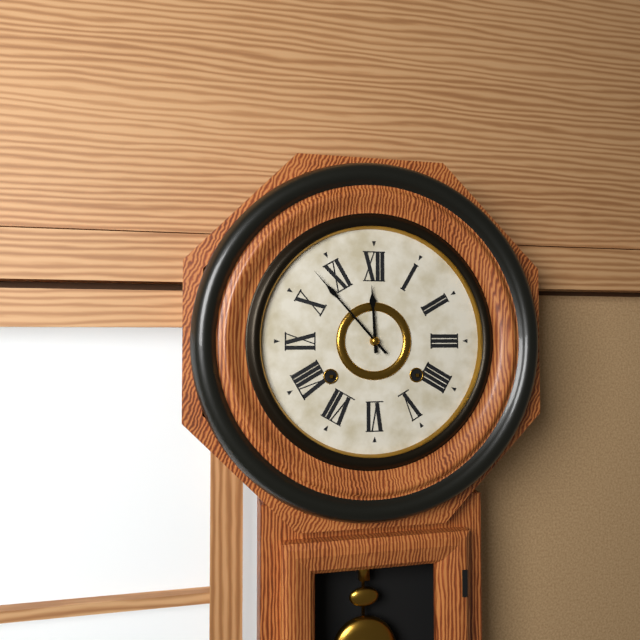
11:53
